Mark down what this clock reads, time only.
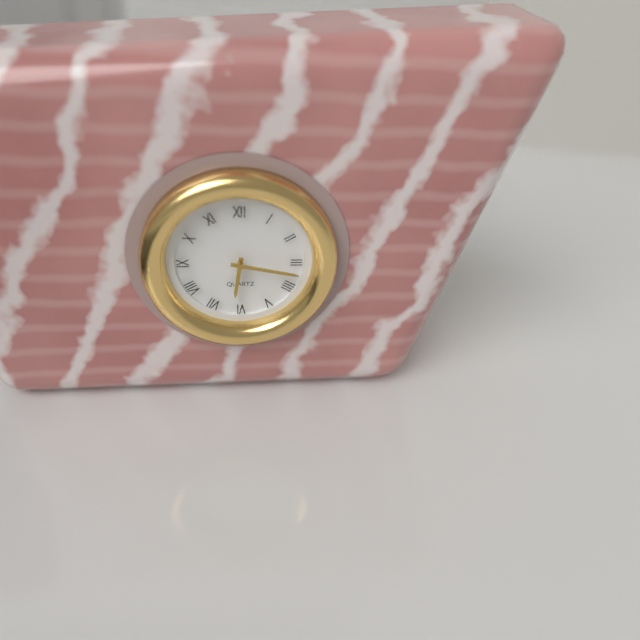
6:17
